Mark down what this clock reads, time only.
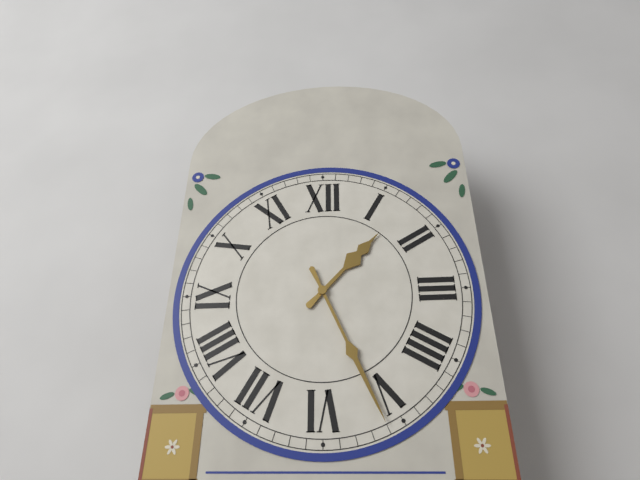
1:26
